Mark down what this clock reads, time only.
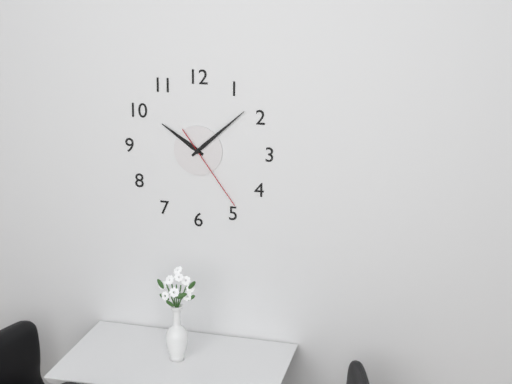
10:08:24
